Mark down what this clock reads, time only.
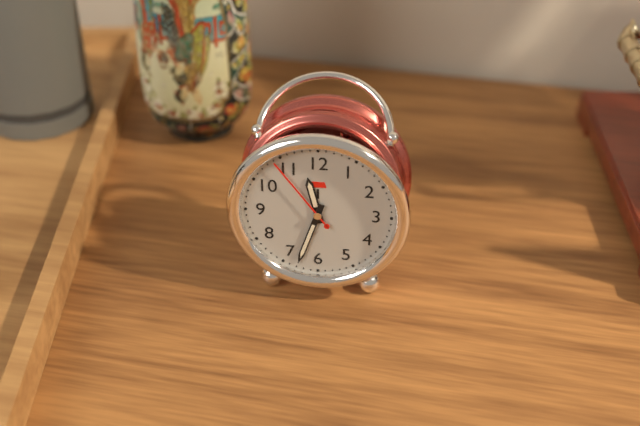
11:33:54
